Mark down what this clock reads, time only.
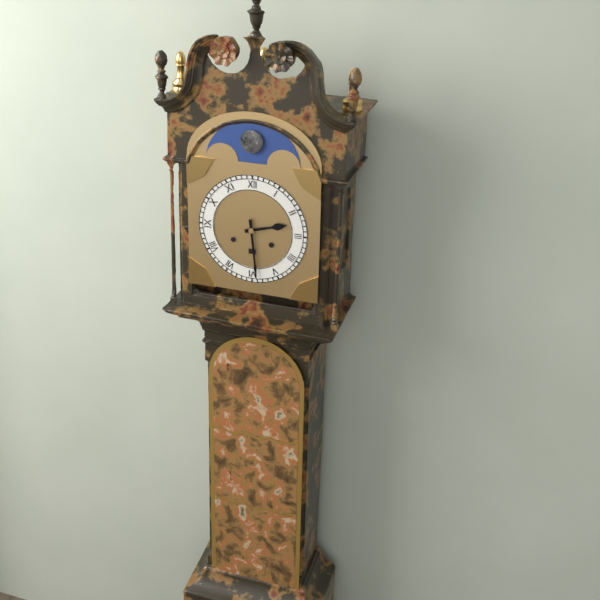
2:29
